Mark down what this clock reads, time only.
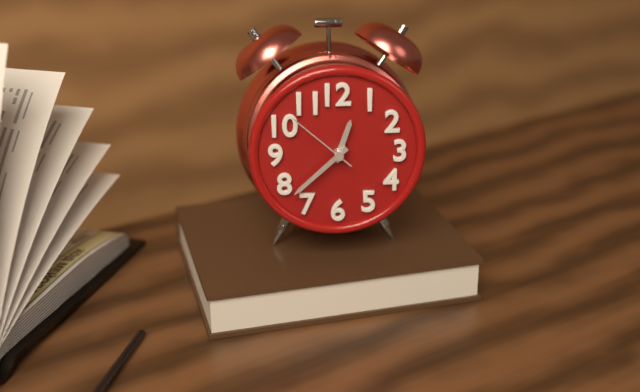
12:38:52
